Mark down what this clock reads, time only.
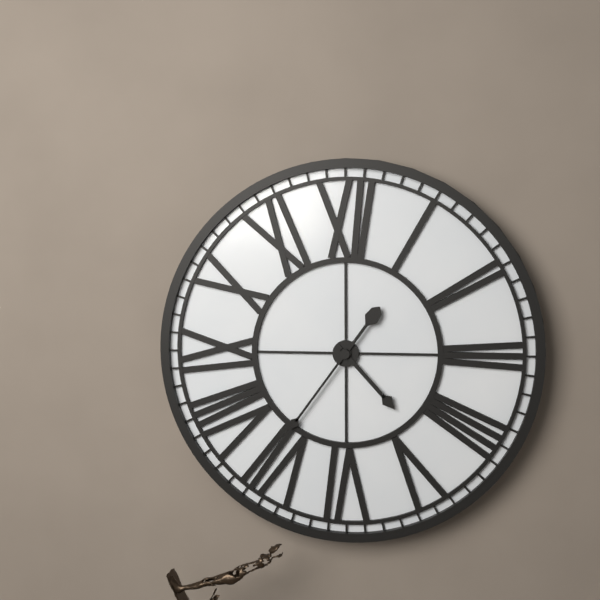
4:36
